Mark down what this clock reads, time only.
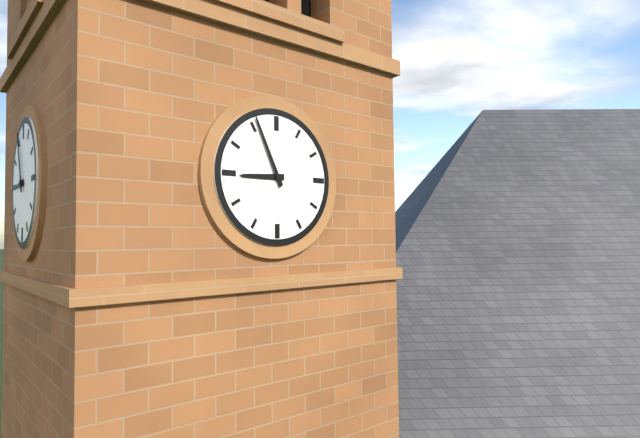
8:56
